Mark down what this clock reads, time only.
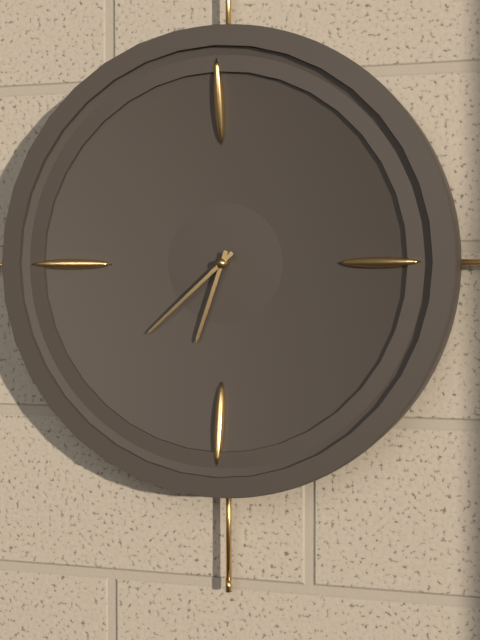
6:38
